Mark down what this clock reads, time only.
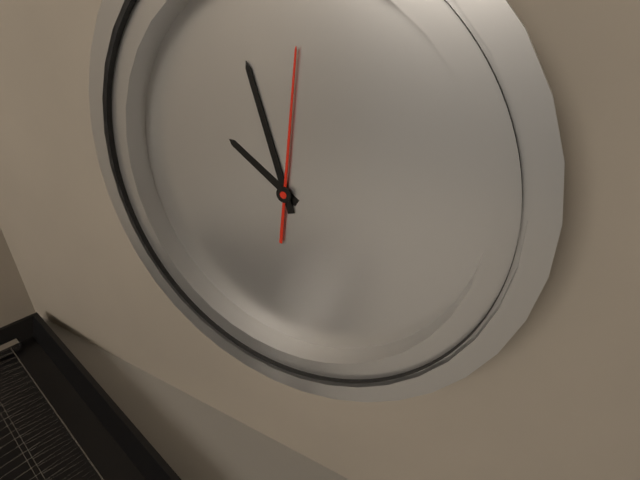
9:56:00
